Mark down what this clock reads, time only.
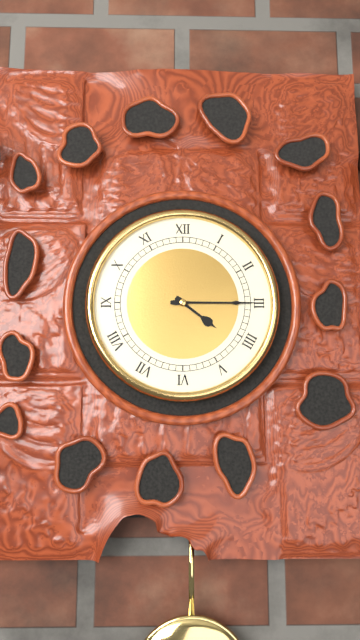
4:15
